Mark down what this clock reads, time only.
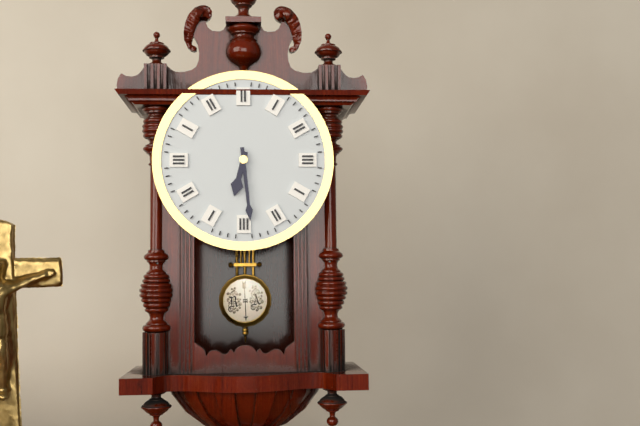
6:29
